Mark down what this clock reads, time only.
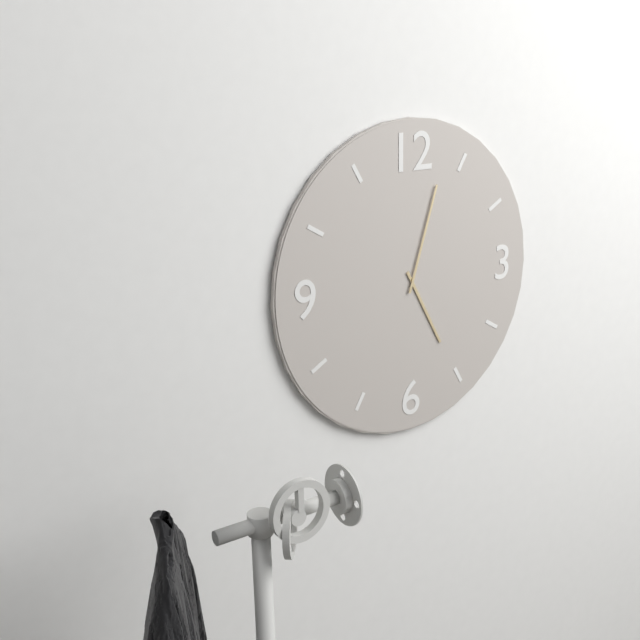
5:03
